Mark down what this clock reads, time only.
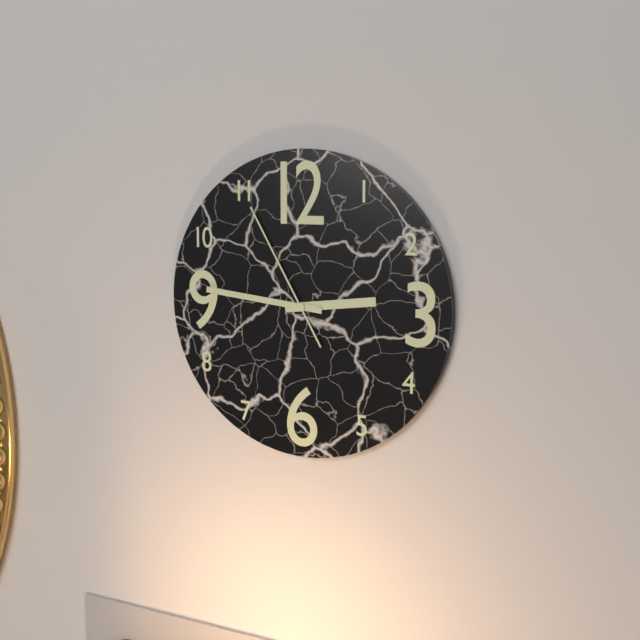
2:46:55
